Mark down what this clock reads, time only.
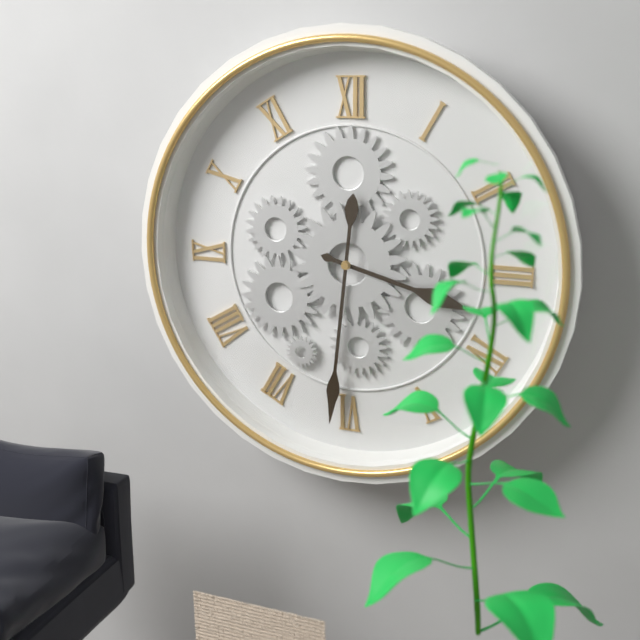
3:31
